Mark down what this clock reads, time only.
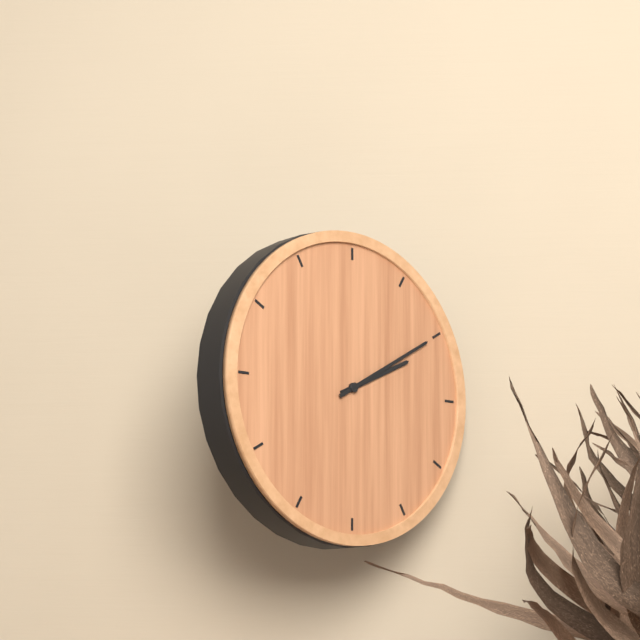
2:10
